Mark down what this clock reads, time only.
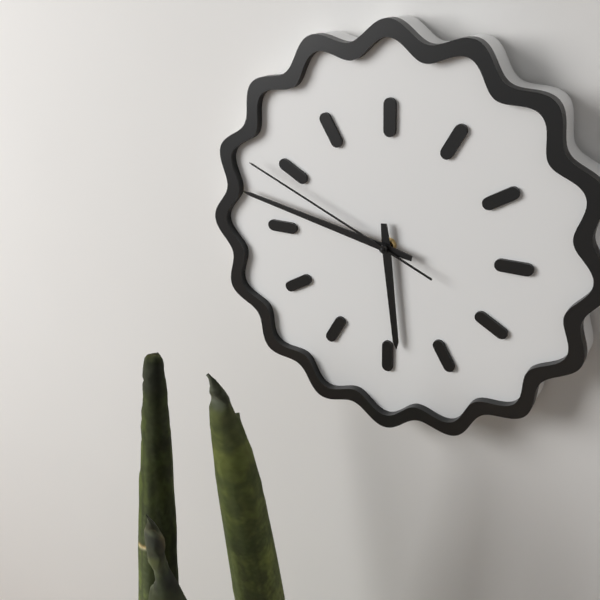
5:47:49
